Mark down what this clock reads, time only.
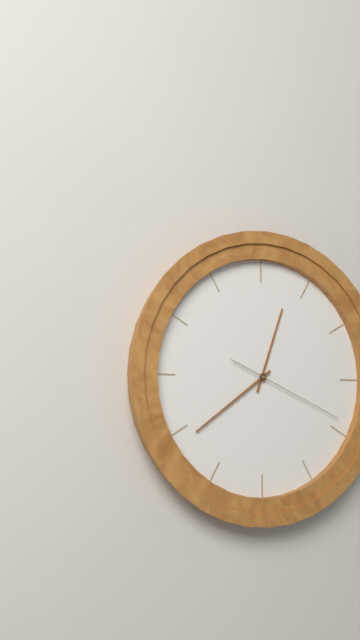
12:39:19
